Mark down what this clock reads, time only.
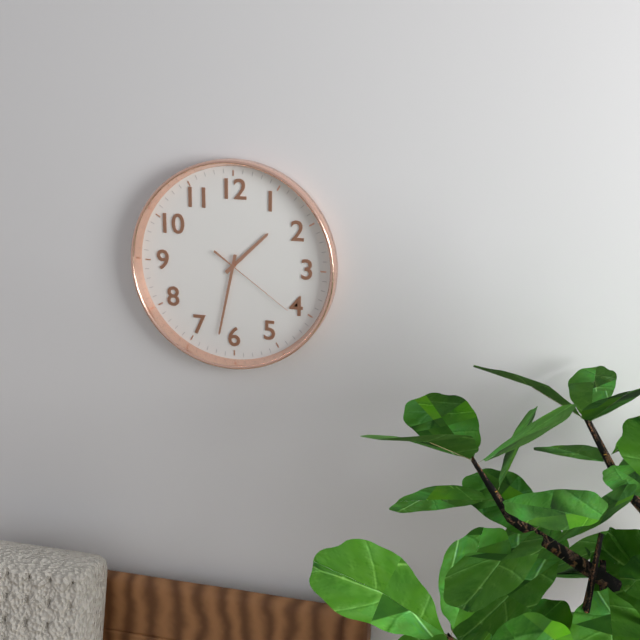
1:32:21
